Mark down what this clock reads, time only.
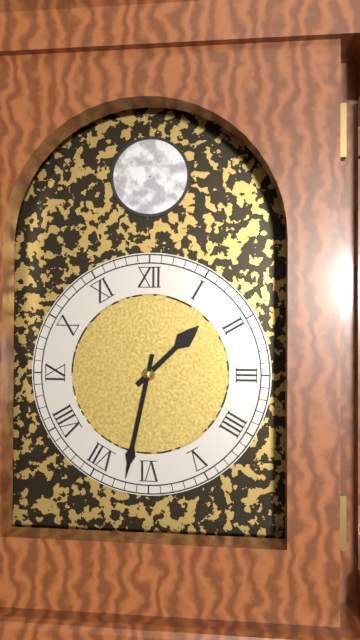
1:32
